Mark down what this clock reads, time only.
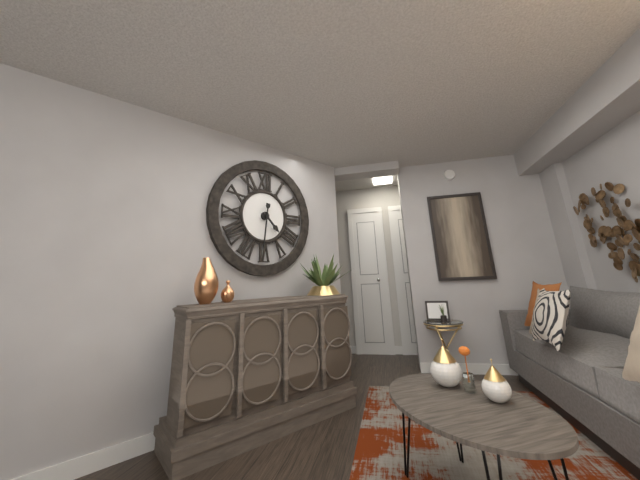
4:31
